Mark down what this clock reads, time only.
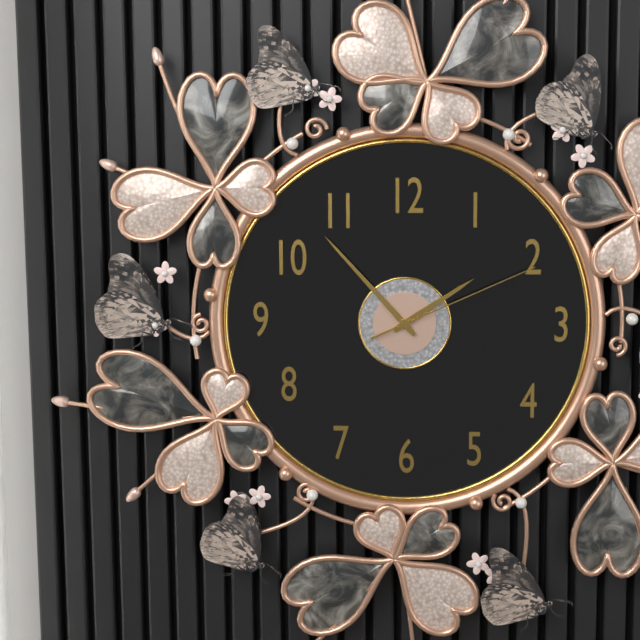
1:53:11
